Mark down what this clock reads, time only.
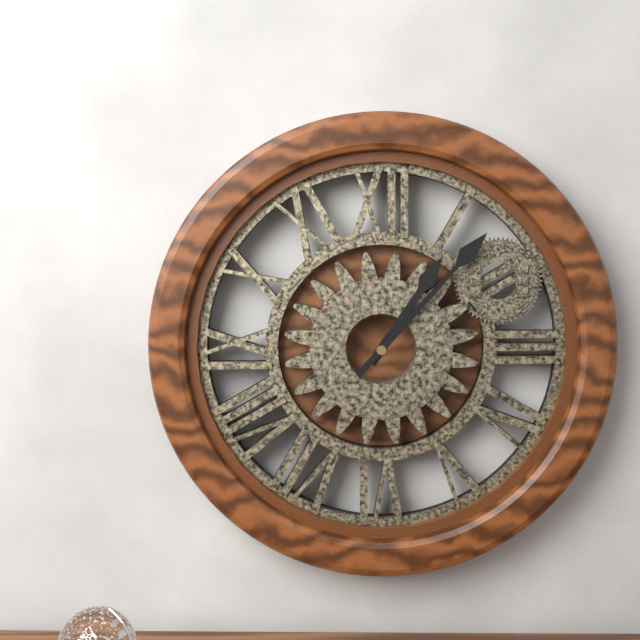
1:07
